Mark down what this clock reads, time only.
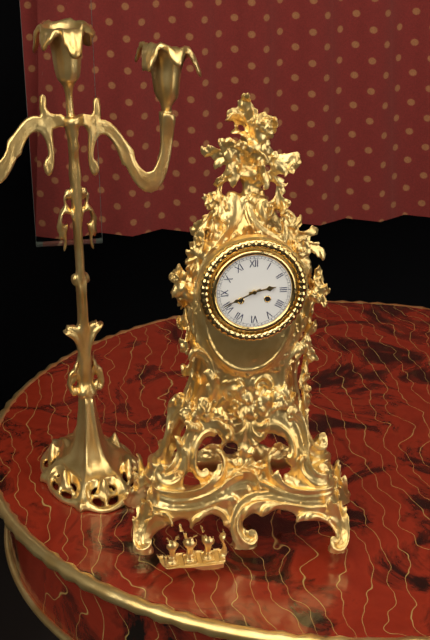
2:41
